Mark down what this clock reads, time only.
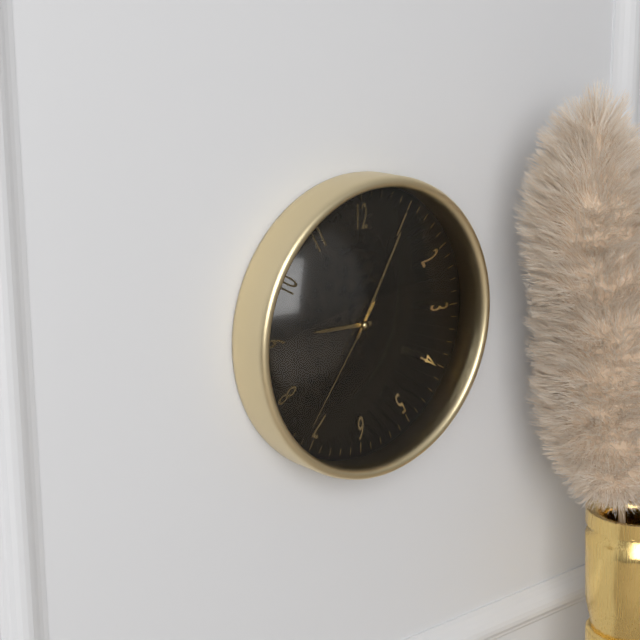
9:05:36
